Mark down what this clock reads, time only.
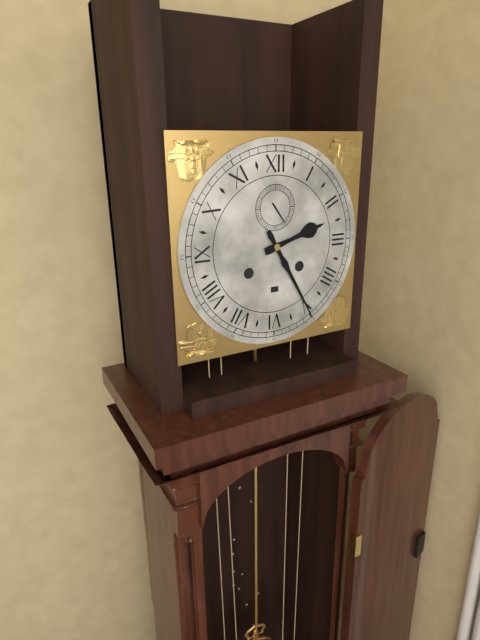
2:25
